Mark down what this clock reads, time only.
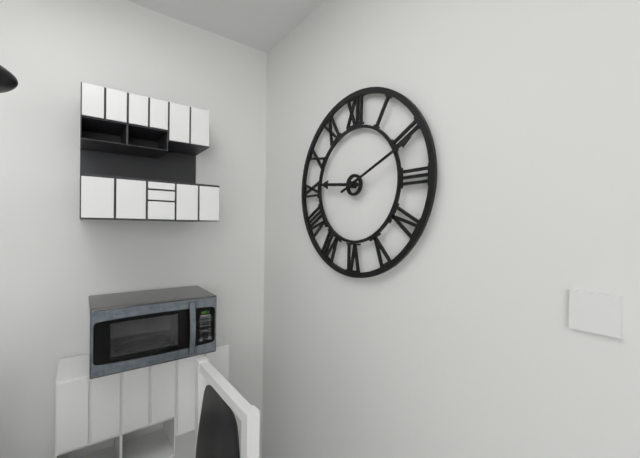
9:11
